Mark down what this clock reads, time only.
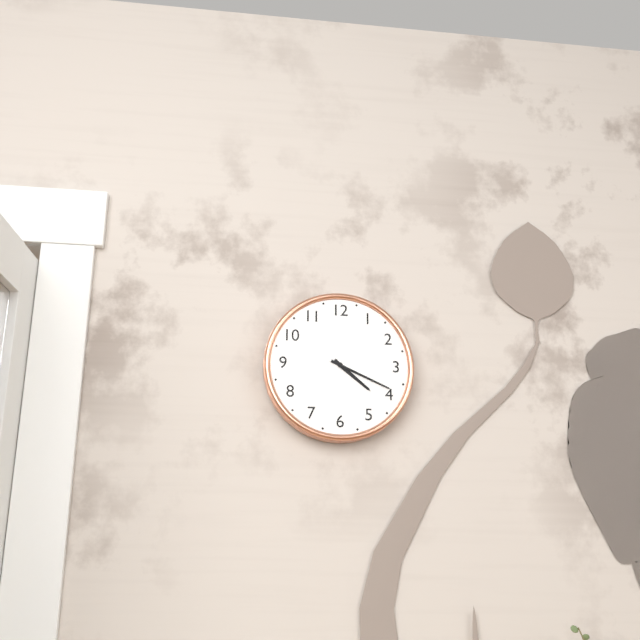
4:19
